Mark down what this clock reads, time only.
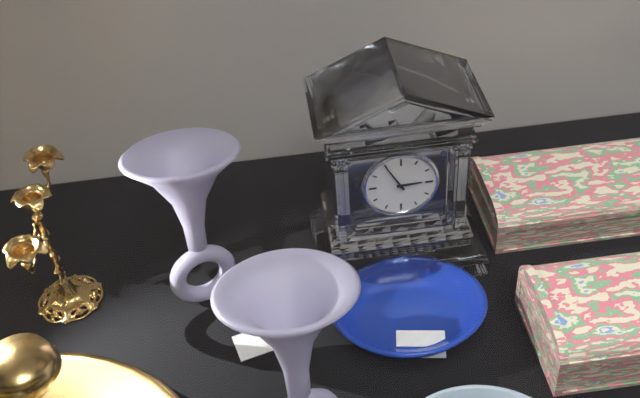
2:55
